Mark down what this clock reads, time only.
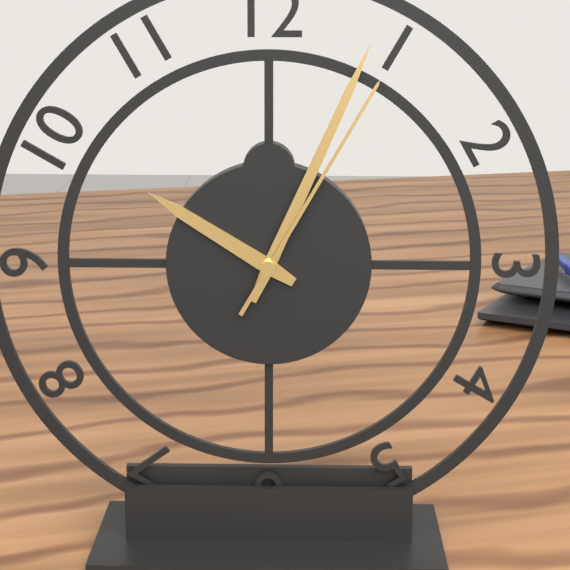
10:04:05
